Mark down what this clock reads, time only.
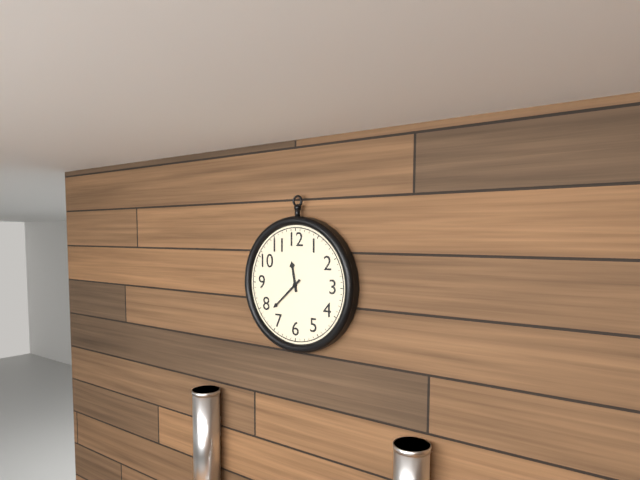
11:38
